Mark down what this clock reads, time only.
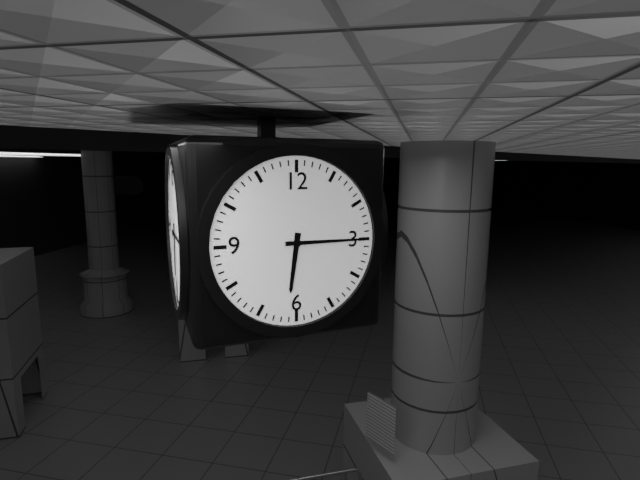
6:15
